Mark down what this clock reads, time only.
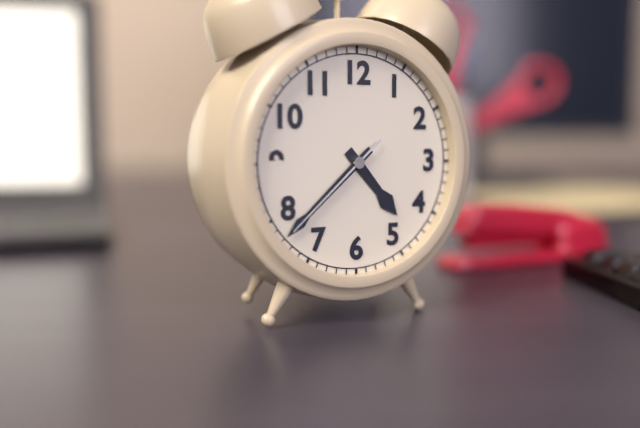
4:38:38
